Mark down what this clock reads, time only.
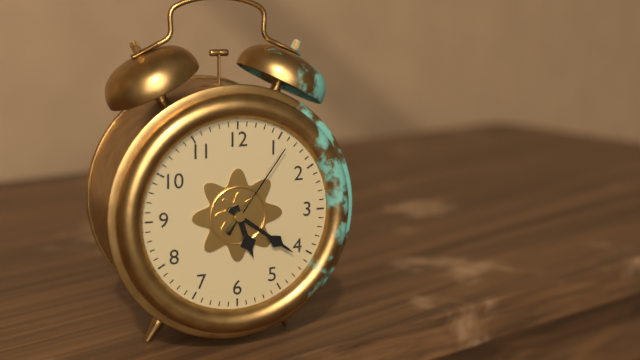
5:21:06
